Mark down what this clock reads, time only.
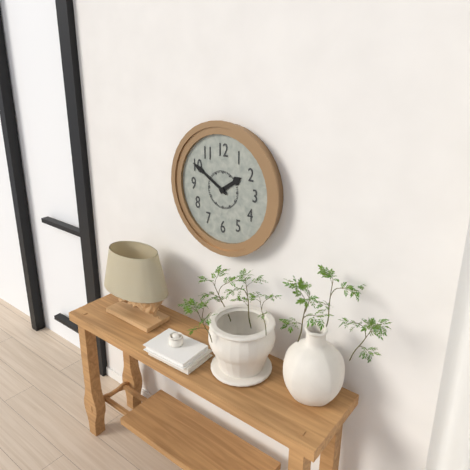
1:50
